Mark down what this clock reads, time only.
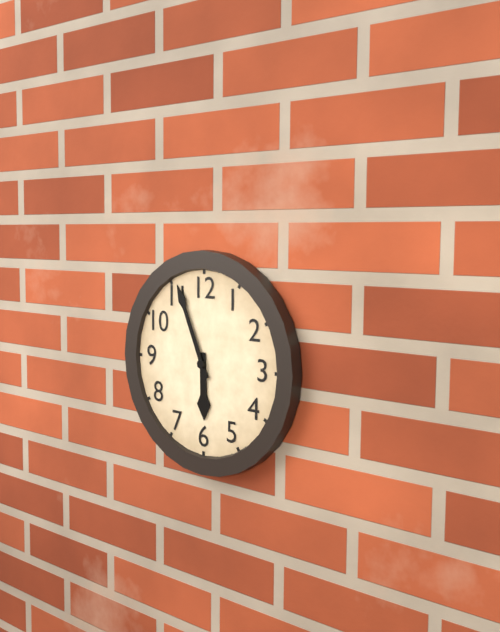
5:56
